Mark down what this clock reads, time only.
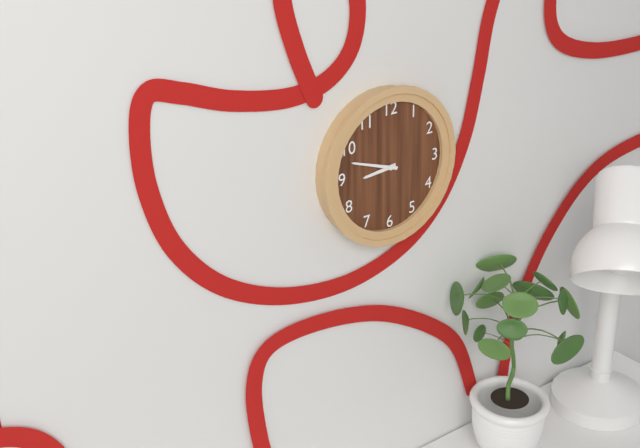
8:48
